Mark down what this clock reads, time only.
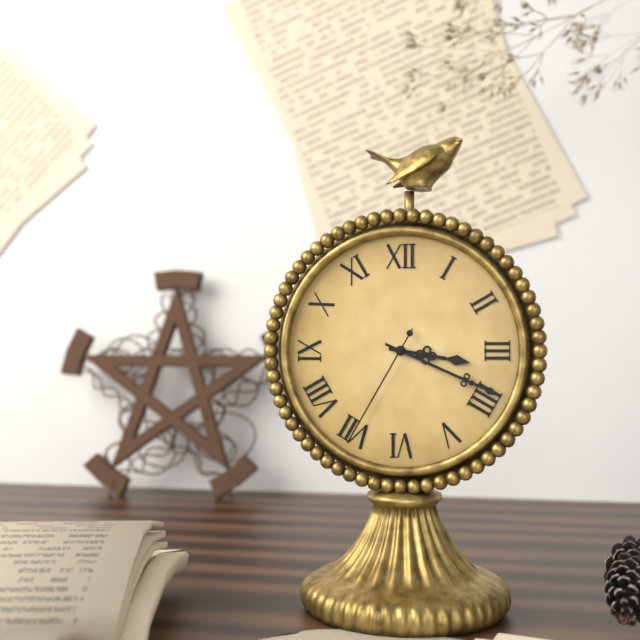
3:19:35
